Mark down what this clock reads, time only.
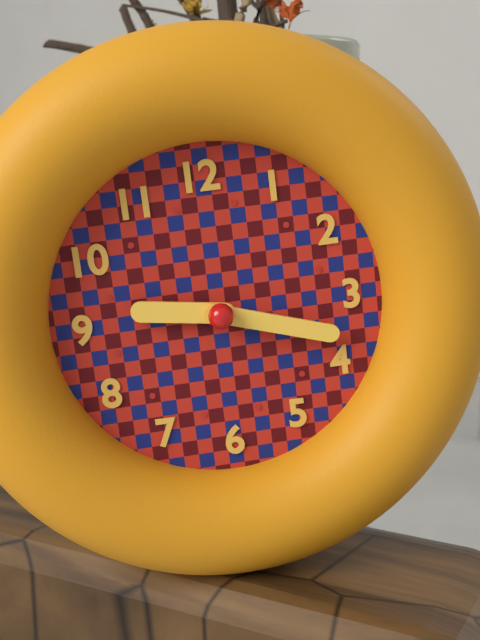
9:18
